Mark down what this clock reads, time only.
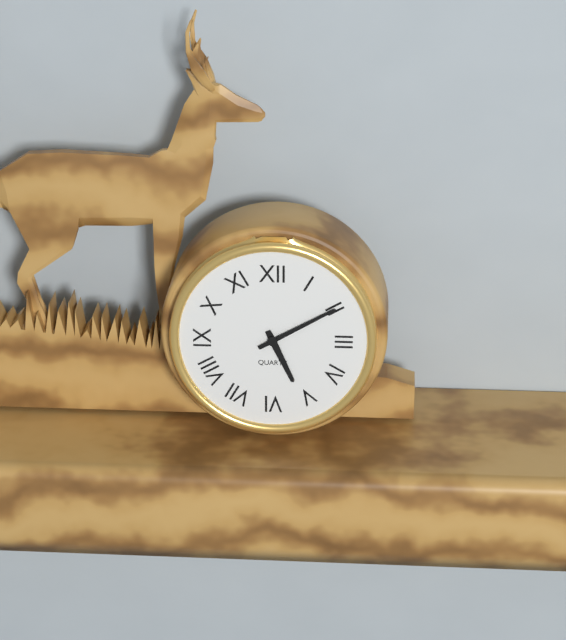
5:10
